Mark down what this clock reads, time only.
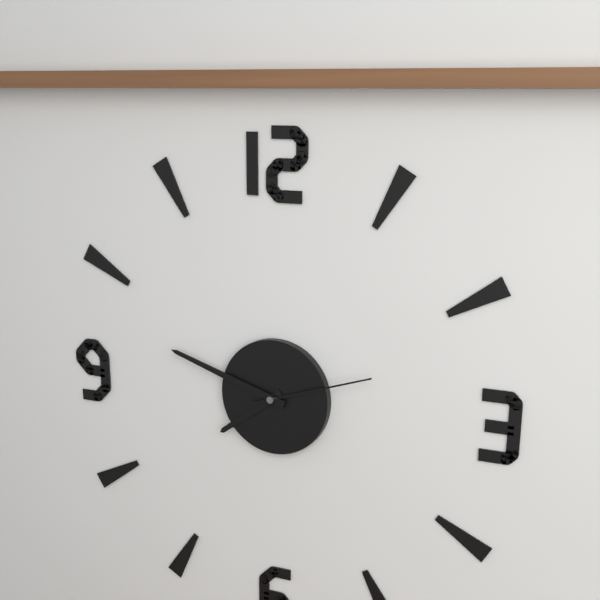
7:48:12
